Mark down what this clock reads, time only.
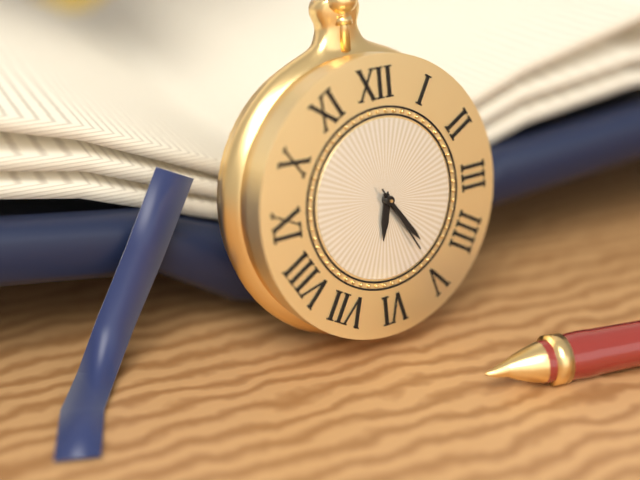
6:24:25
